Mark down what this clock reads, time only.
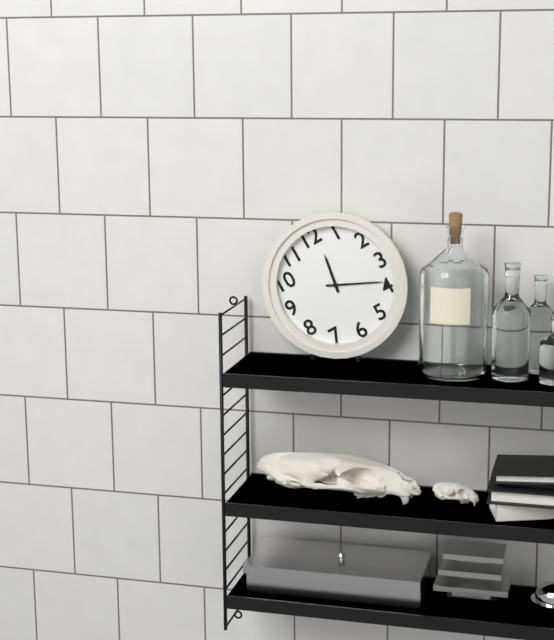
12:19
